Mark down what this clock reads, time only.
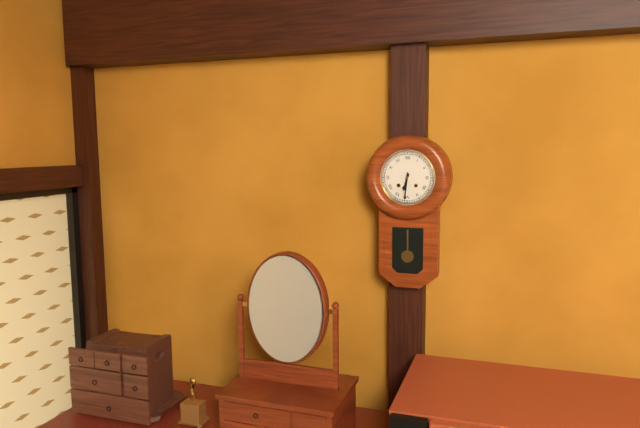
6:31
